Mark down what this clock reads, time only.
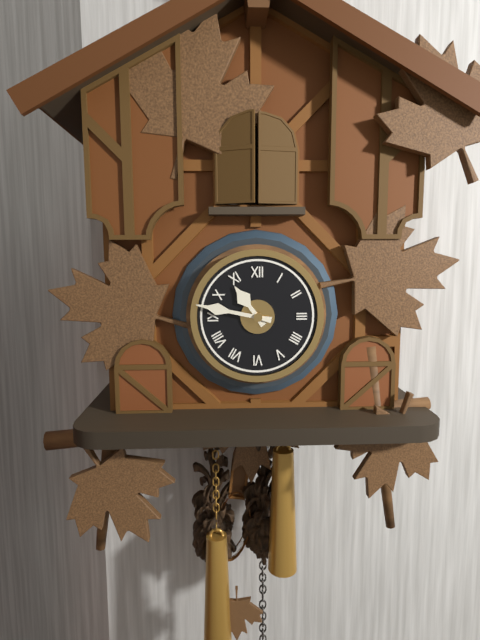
10:47
